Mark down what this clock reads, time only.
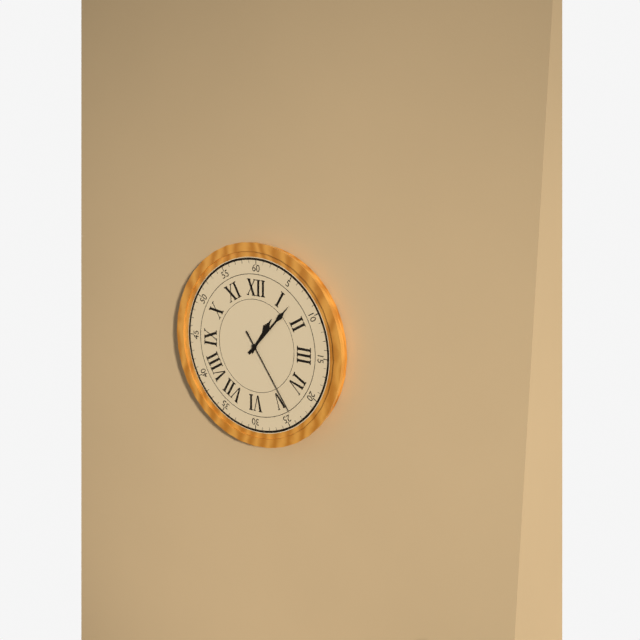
1:07:24
